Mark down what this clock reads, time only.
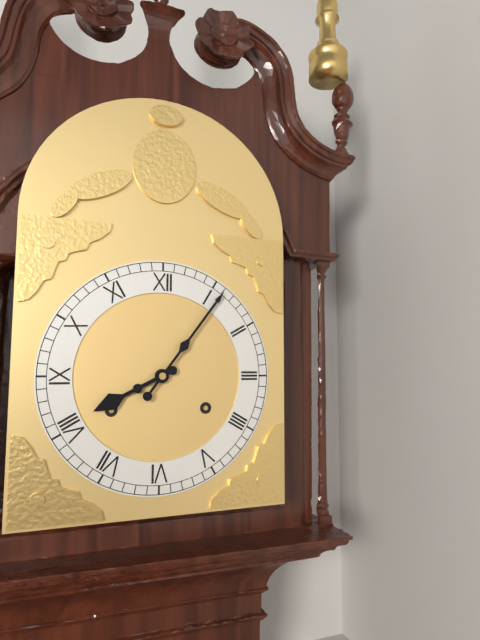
8:06
